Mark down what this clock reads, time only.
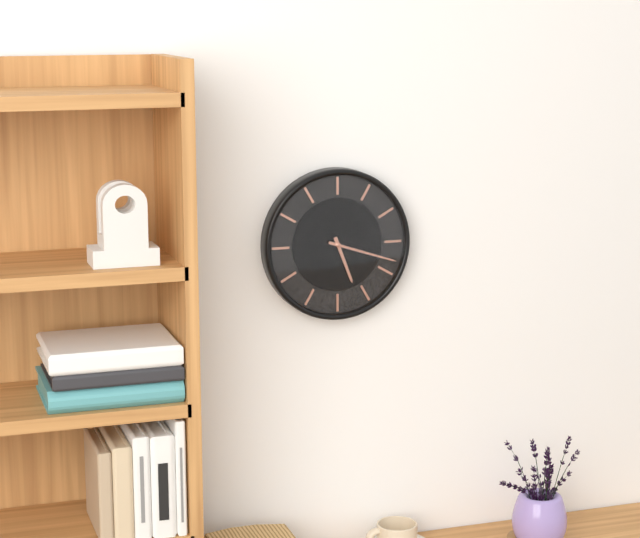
5:18
